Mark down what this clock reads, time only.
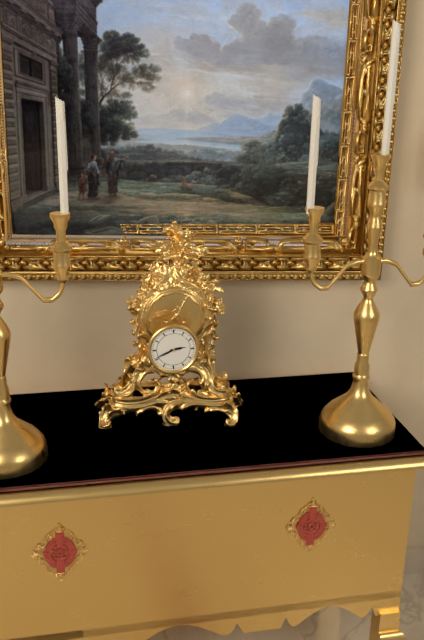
2:41
